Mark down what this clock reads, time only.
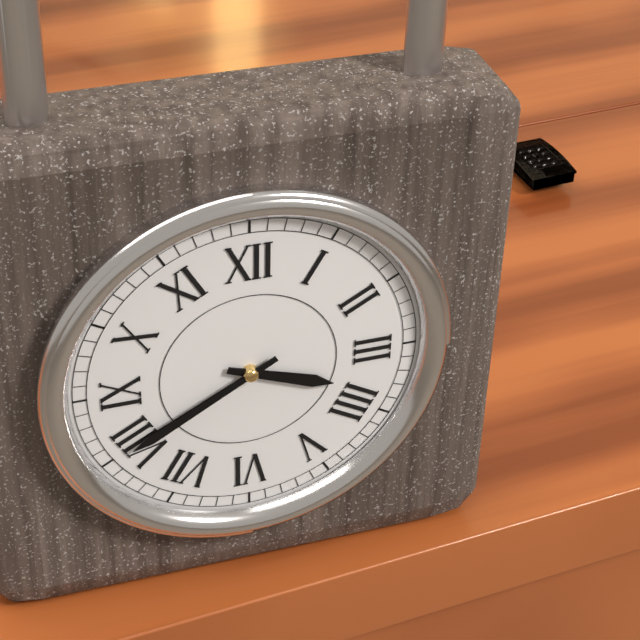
3:40
